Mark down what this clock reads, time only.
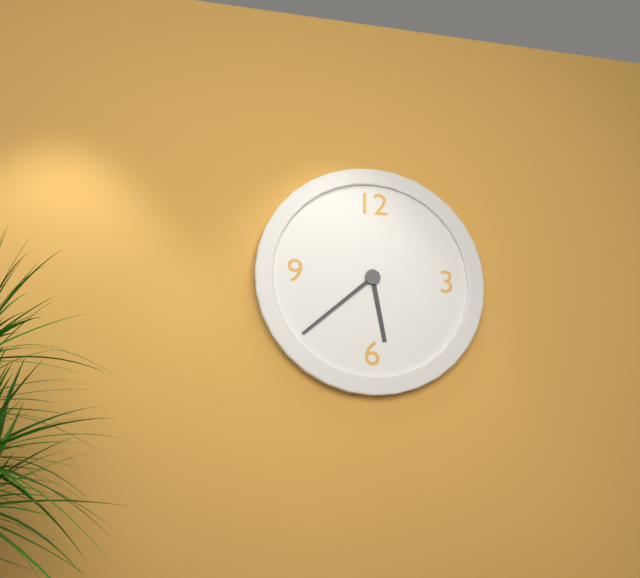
5:38
